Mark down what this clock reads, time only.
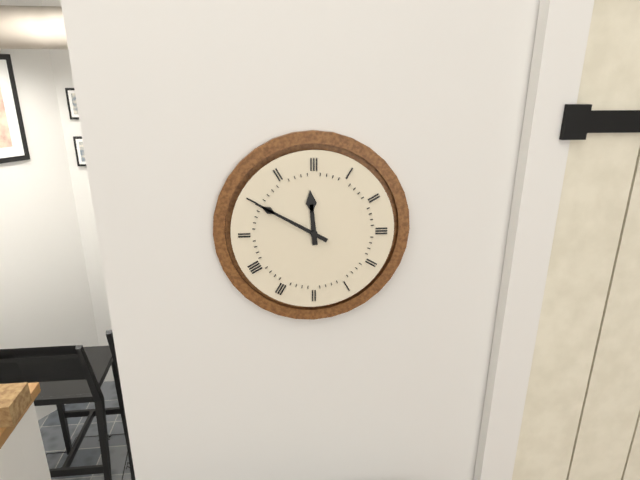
11:50
